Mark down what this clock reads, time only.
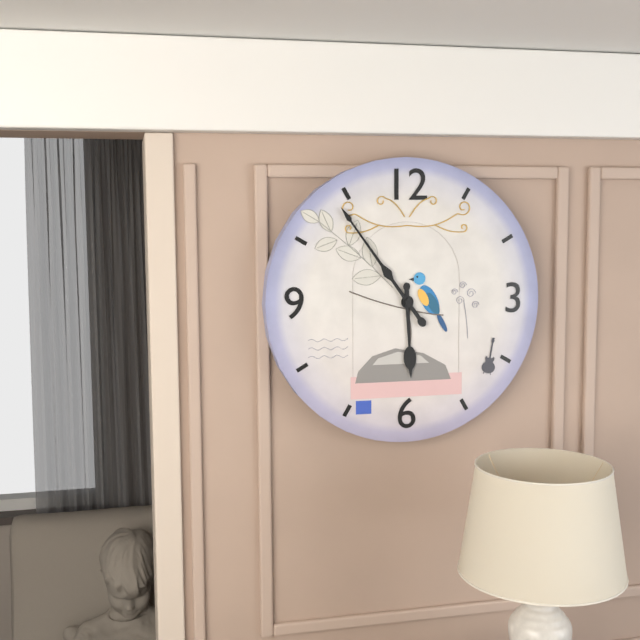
5:54
